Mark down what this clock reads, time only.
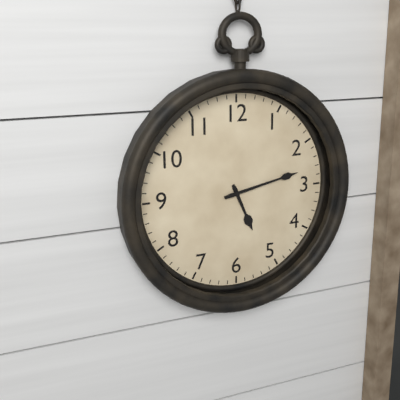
5:13
